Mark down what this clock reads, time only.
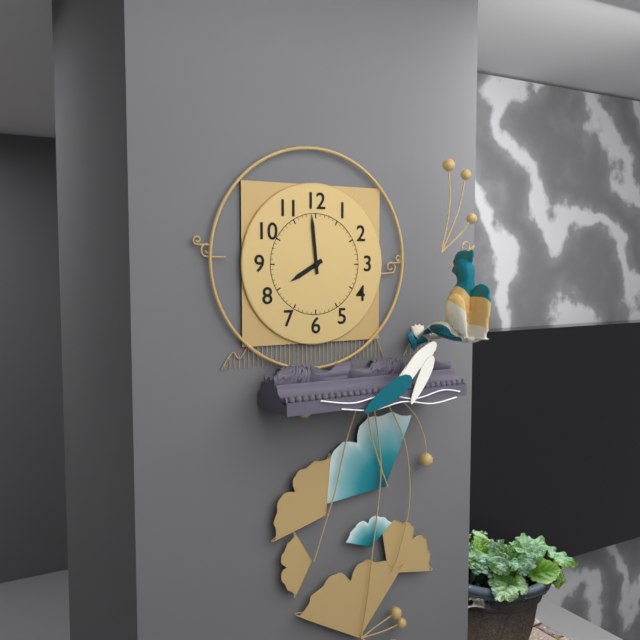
7:59
